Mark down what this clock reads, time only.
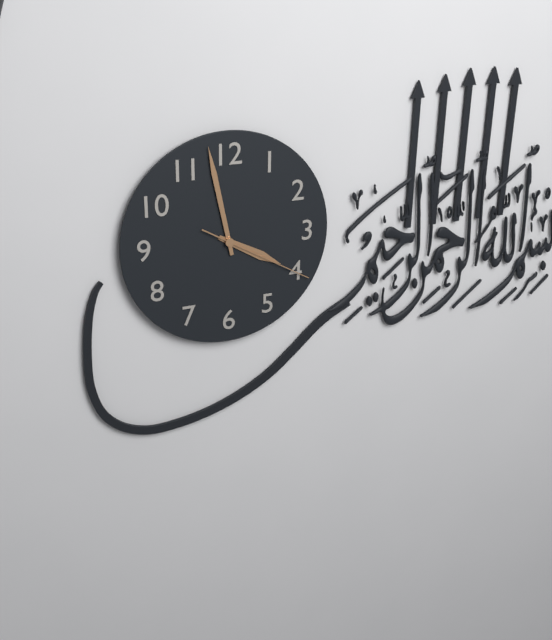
3:58:20
